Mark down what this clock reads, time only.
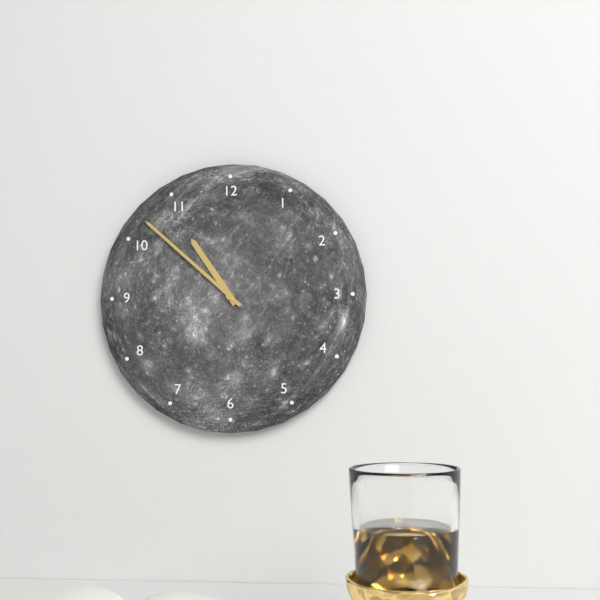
10:52
